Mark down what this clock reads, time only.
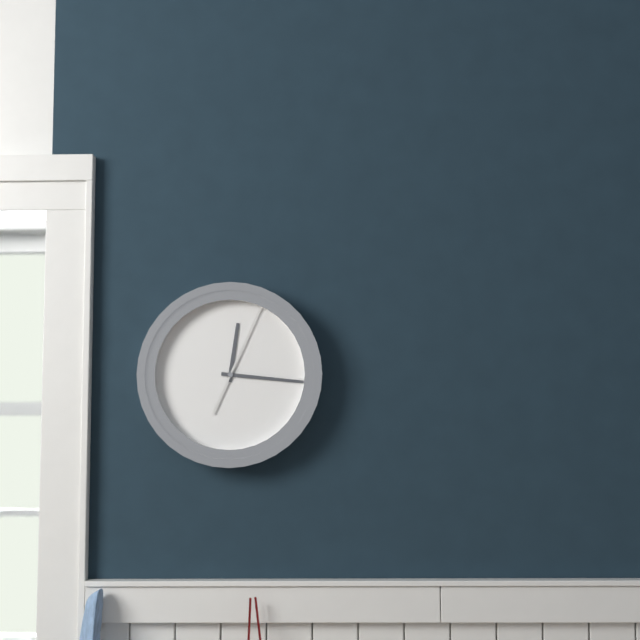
12:16:04
